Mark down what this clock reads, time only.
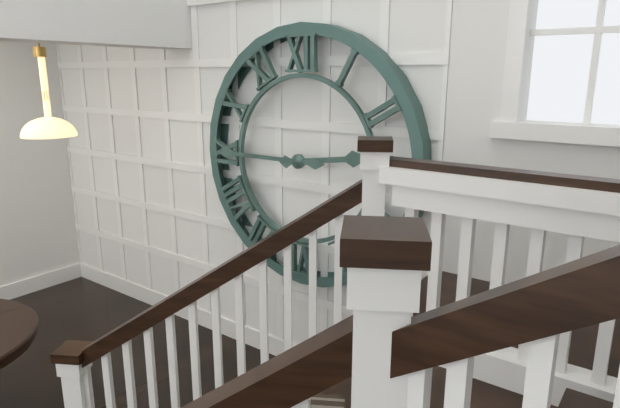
2:45
